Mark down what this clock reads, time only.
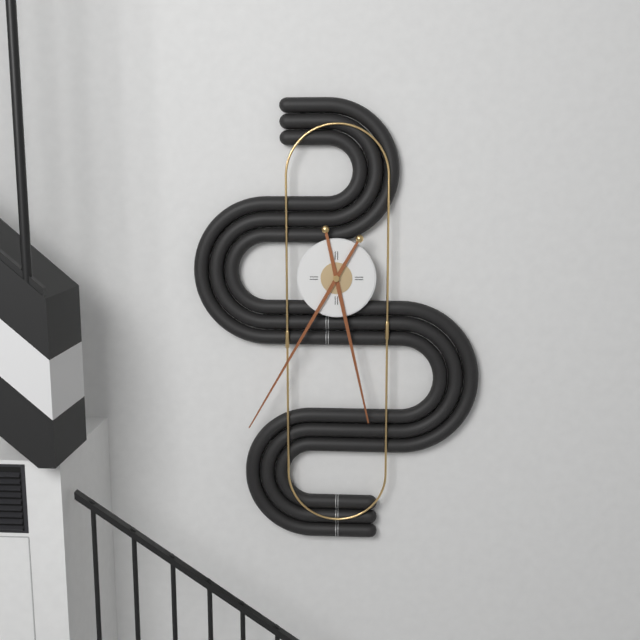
5:35
